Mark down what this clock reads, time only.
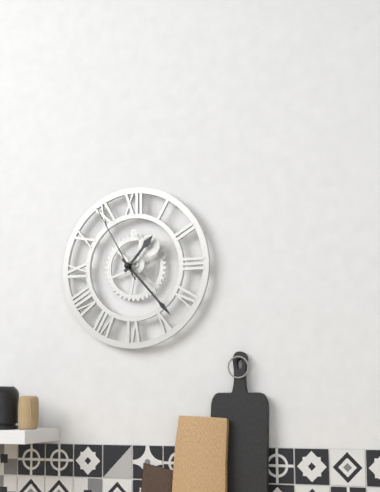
1:23:55
